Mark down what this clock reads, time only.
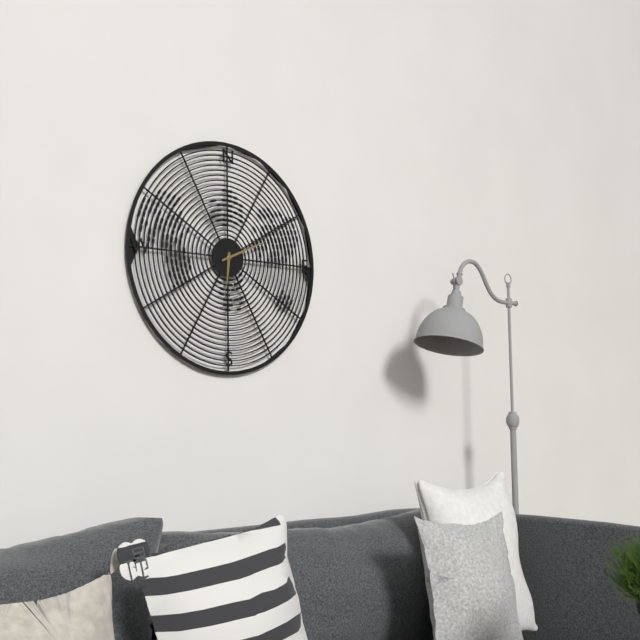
6:11
